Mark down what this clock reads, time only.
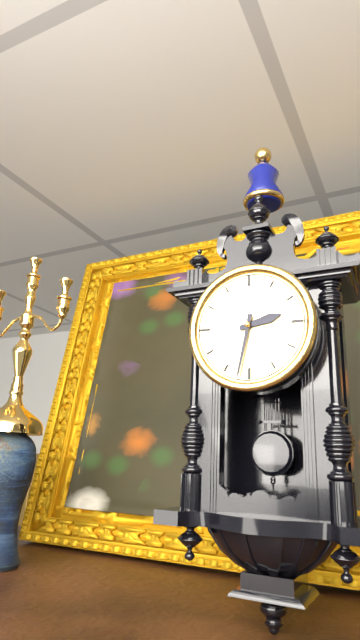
2:32
